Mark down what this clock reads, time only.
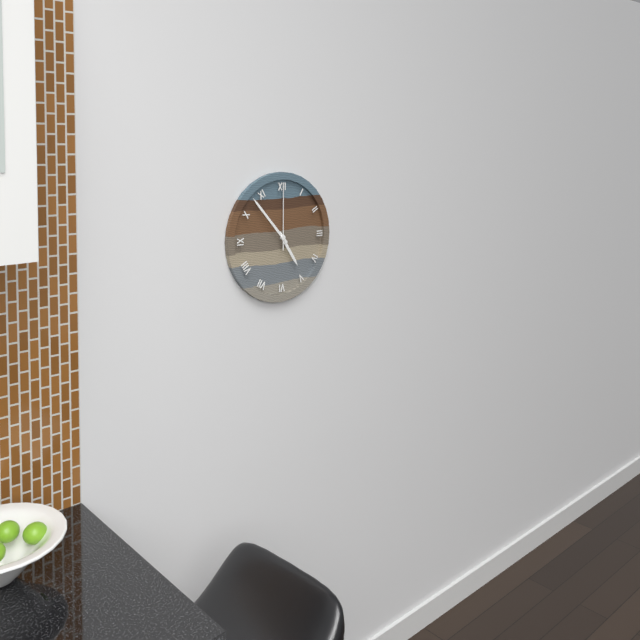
4:53:00
